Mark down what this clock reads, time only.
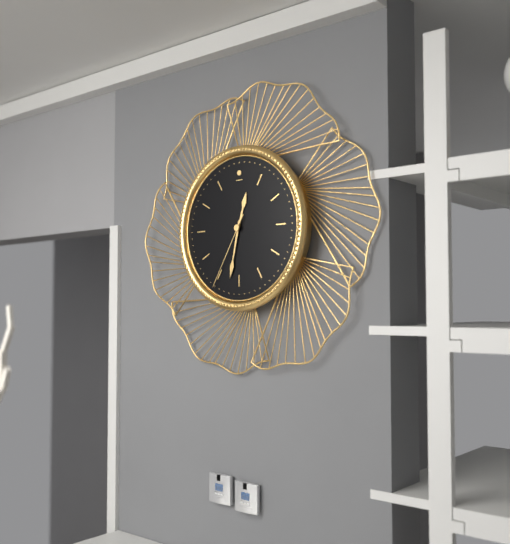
12:32:35
